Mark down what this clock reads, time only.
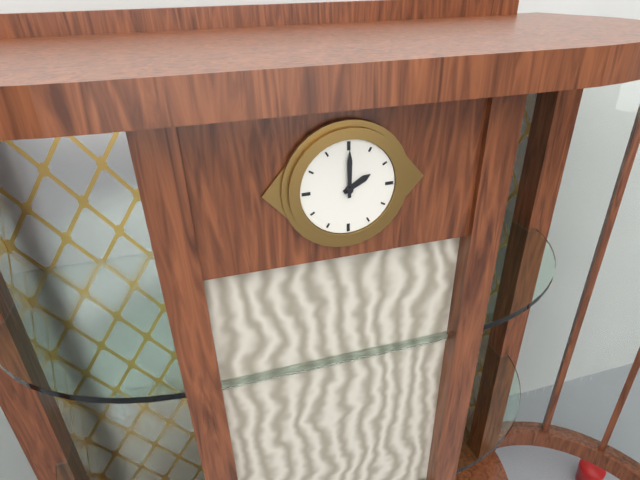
2:00
